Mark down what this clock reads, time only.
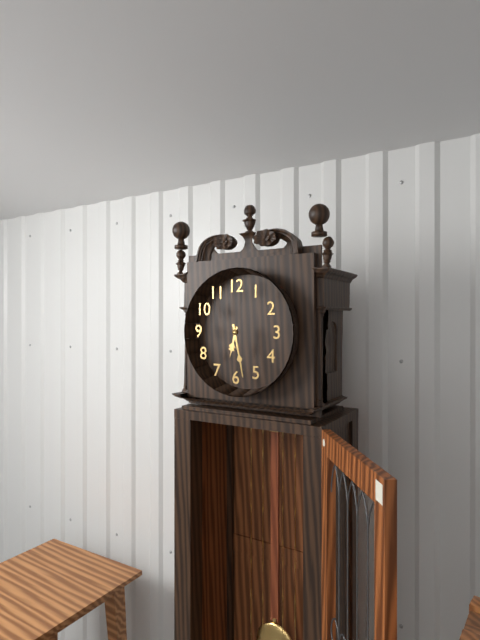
6:28
